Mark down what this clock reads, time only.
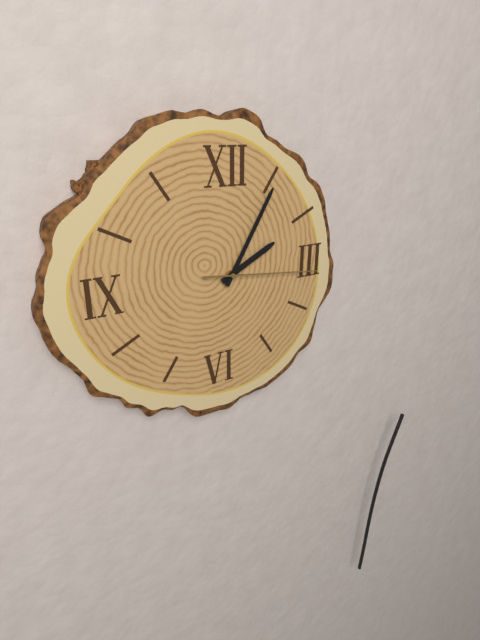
2:05:16
